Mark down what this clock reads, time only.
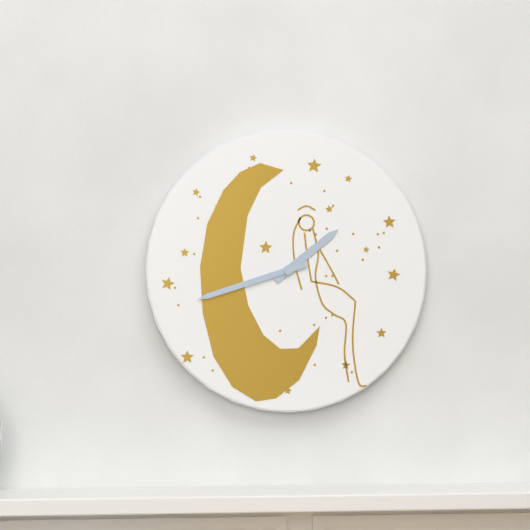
1:42
